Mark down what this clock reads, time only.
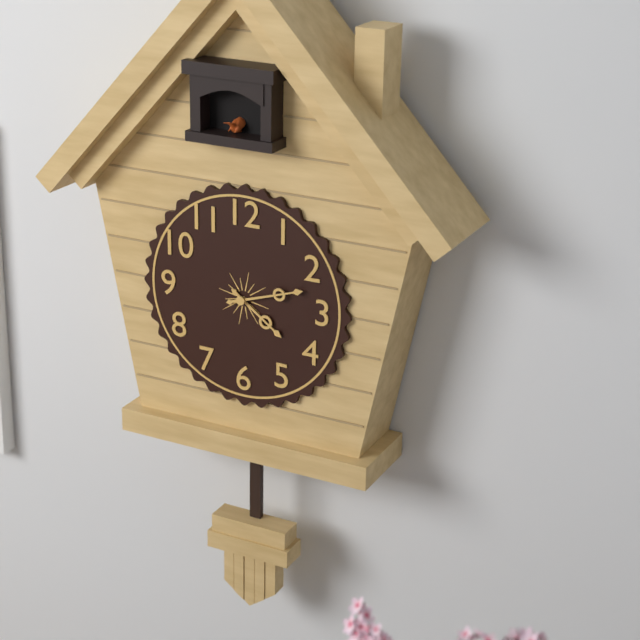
4:12
